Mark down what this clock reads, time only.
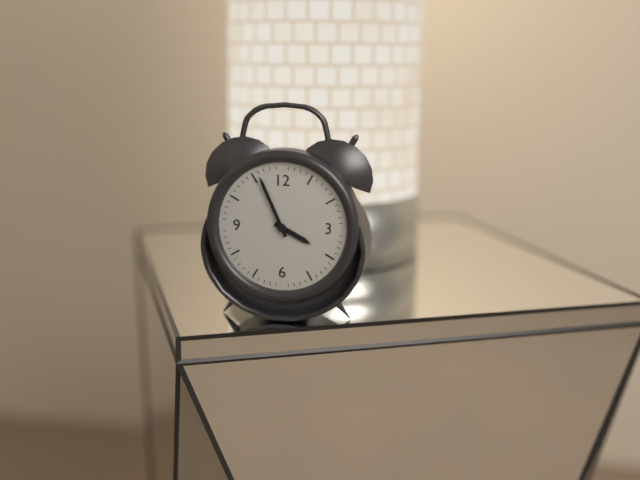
3:56
